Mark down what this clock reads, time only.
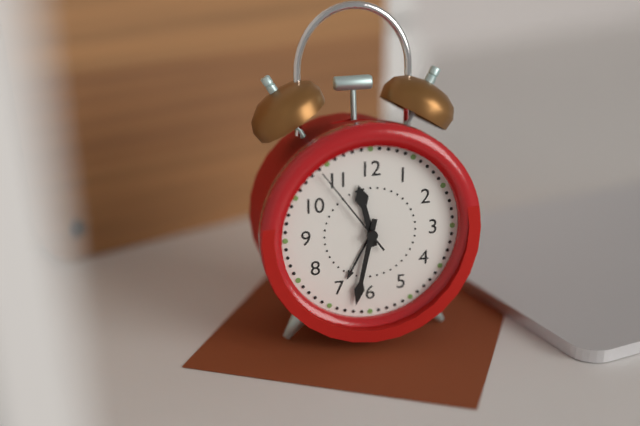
11:32:54
